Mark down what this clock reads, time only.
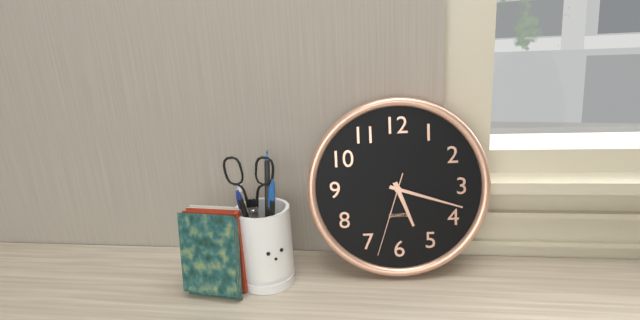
5:18:33
